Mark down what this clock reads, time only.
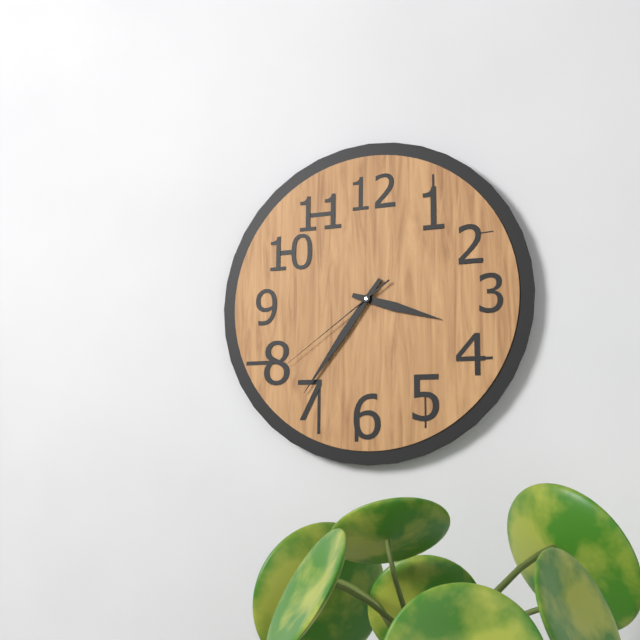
3:36:39
